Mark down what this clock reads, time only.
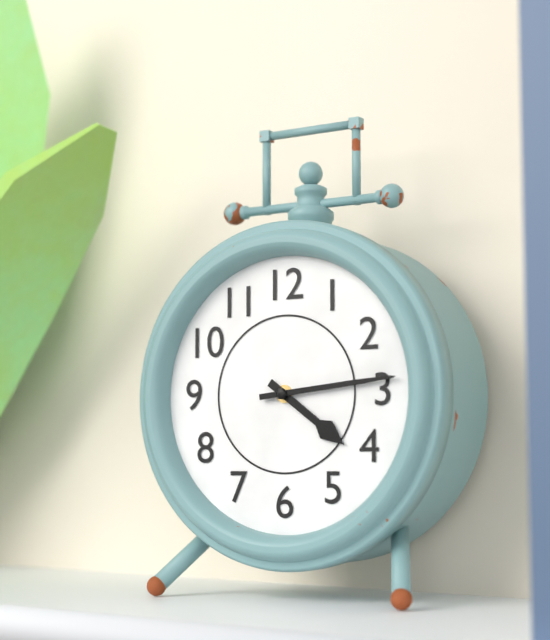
4:14
